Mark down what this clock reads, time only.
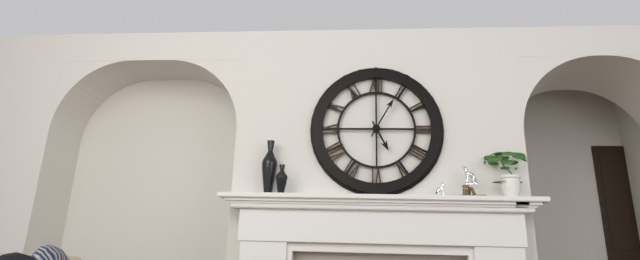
5:05
